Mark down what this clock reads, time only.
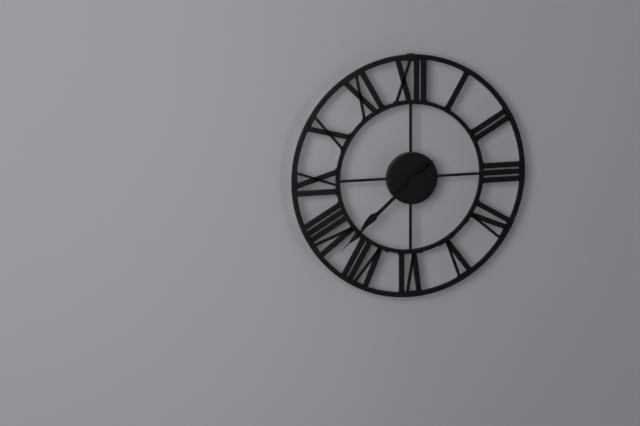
7:38
